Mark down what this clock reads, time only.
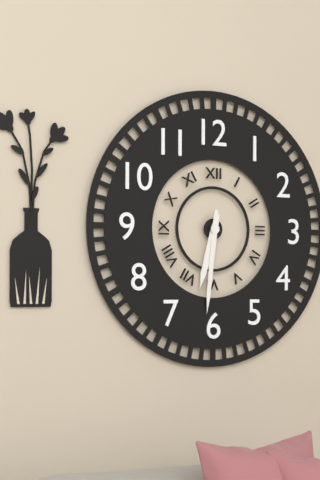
6:31
